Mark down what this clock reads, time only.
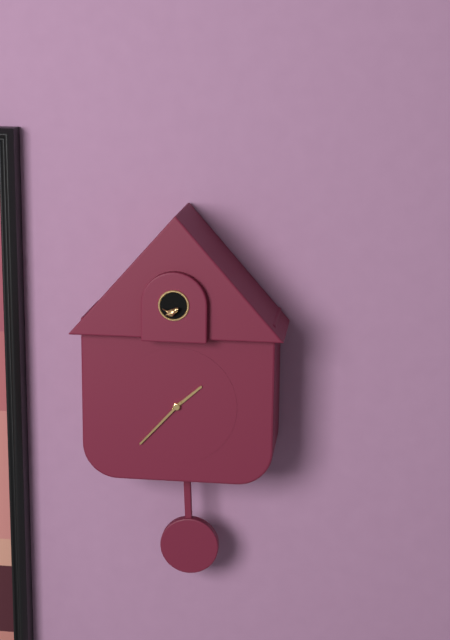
1:37
